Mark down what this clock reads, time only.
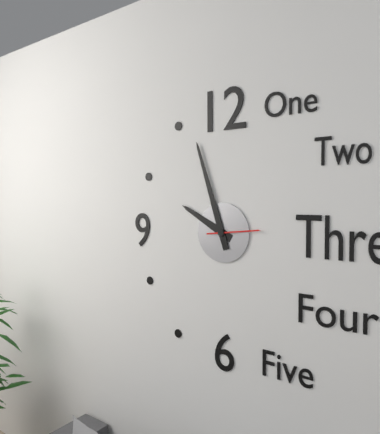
9:57
